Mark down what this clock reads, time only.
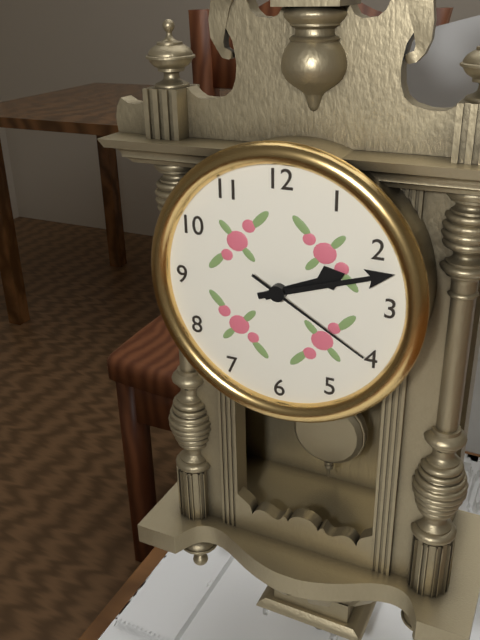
2:12:20
